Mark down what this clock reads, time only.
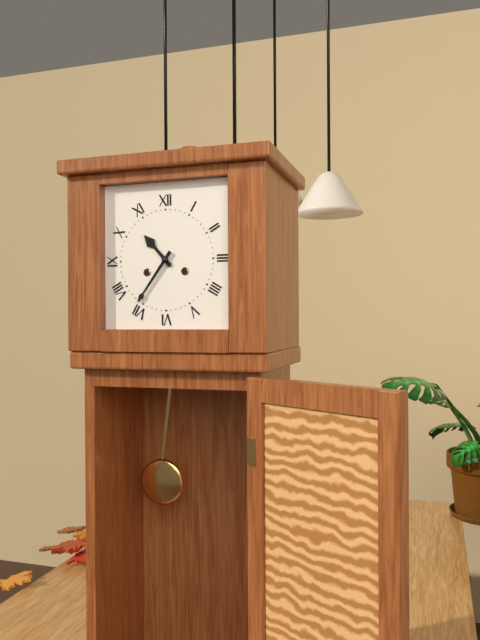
10:36
